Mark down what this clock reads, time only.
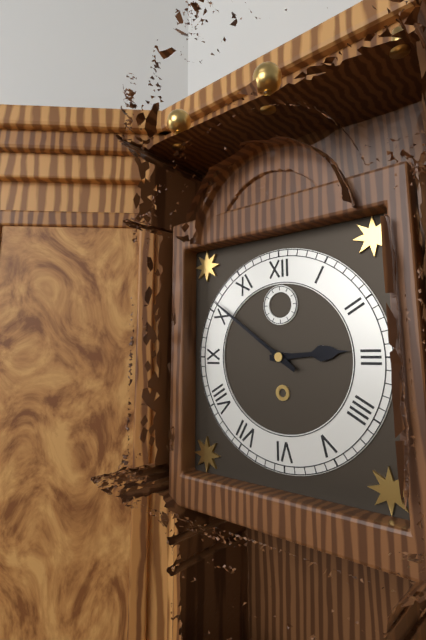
2:51
